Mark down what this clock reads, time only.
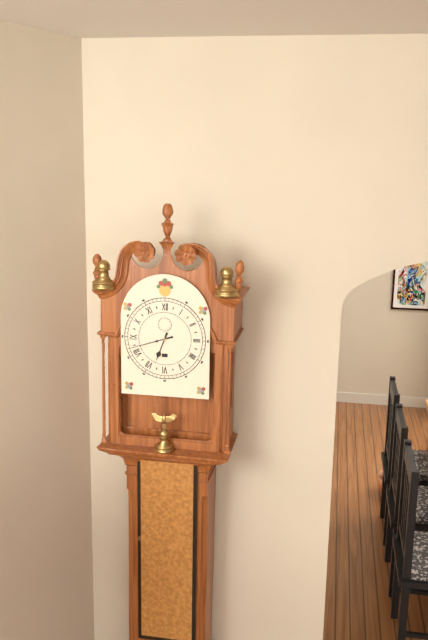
6:42
